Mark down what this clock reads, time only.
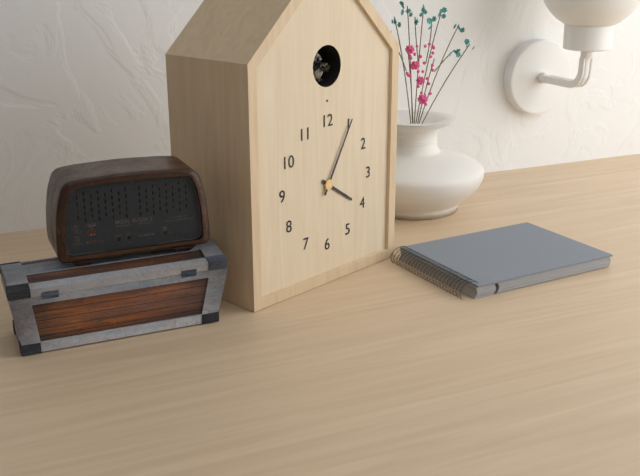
4:05
